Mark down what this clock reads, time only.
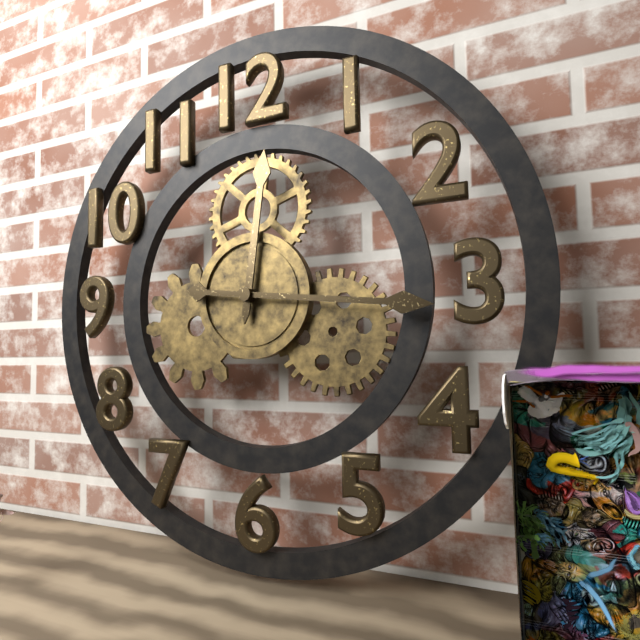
12:16
